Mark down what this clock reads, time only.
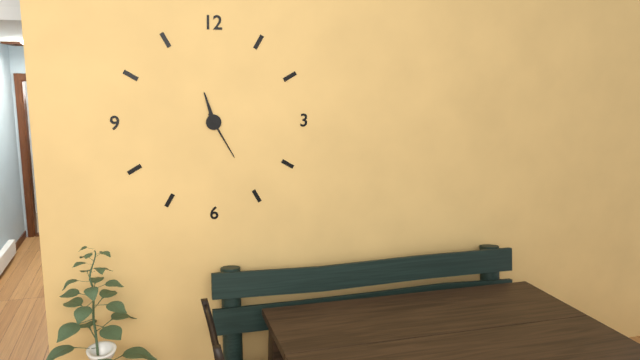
11:25
